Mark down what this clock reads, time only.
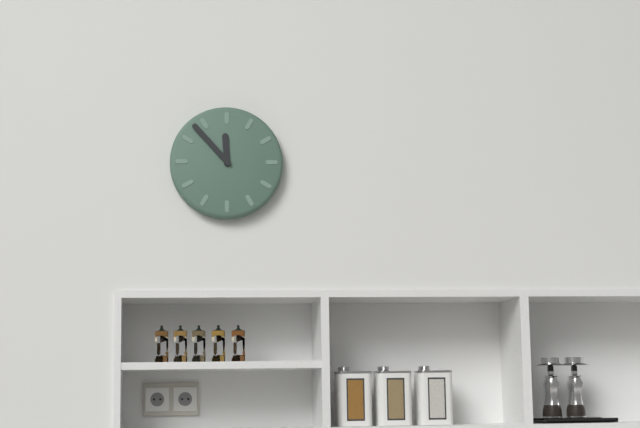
11:53
